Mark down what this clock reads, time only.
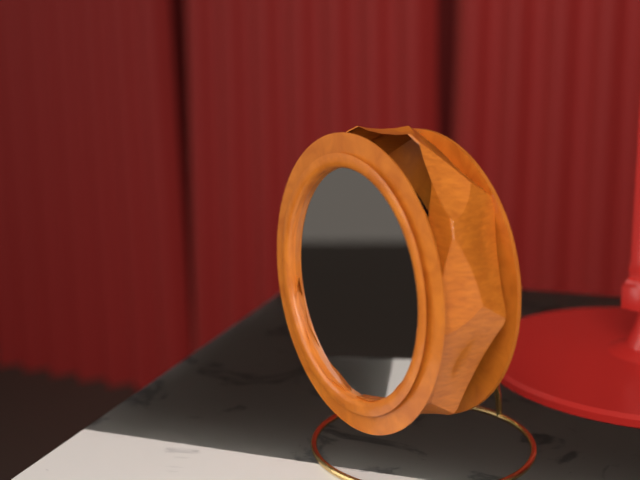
9:34:13
